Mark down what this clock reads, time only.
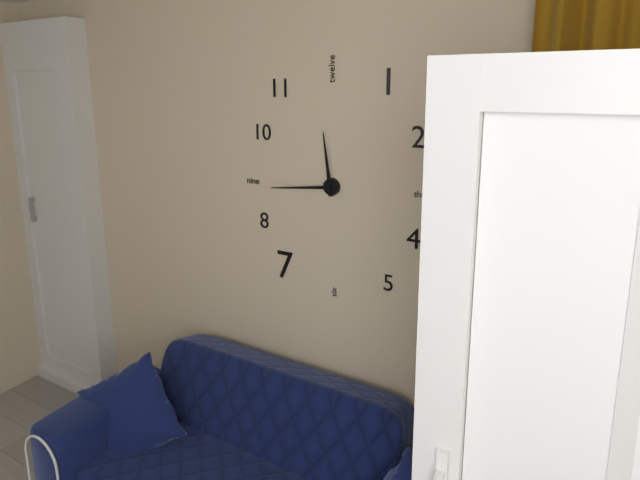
11:44
